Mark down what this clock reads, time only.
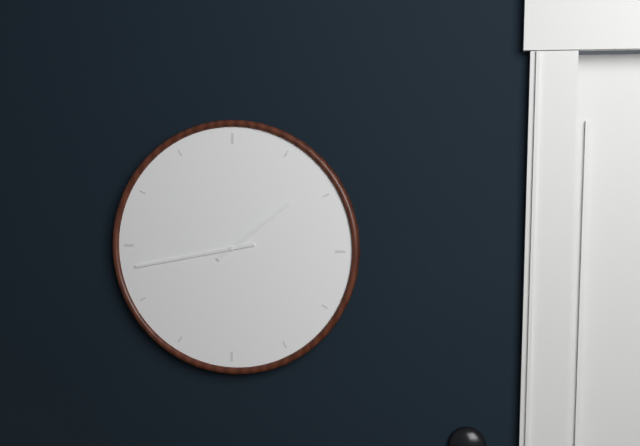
1:43
